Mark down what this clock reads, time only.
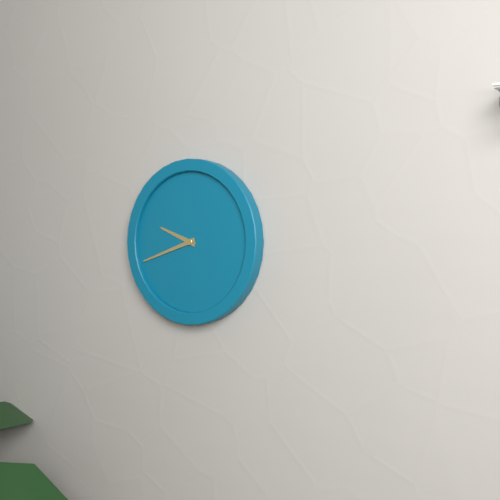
9:42
